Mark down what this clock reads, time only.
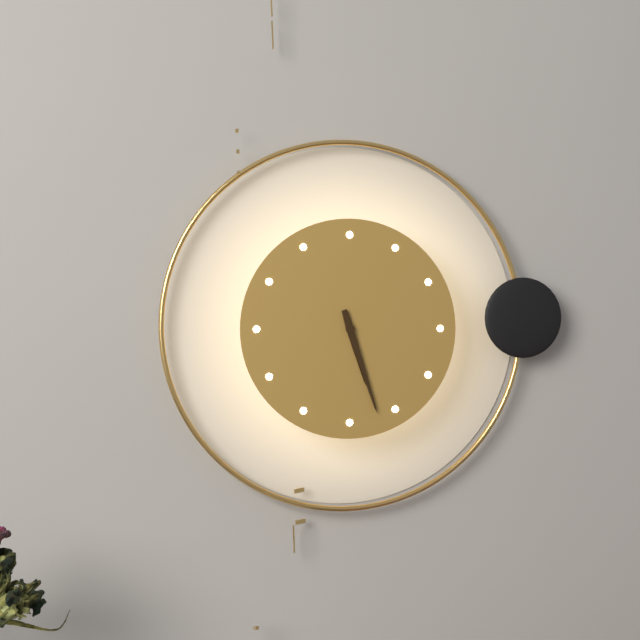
5:27
